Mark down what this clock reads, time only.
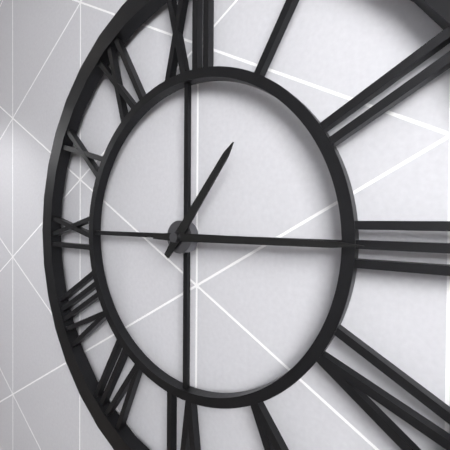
1:15
